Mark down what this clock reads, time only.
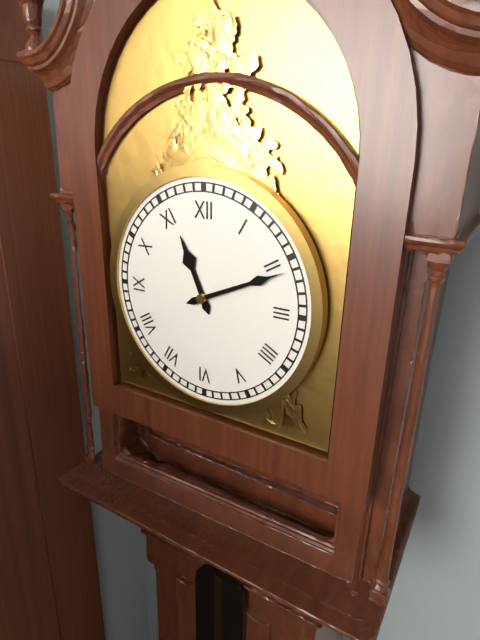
11:11
